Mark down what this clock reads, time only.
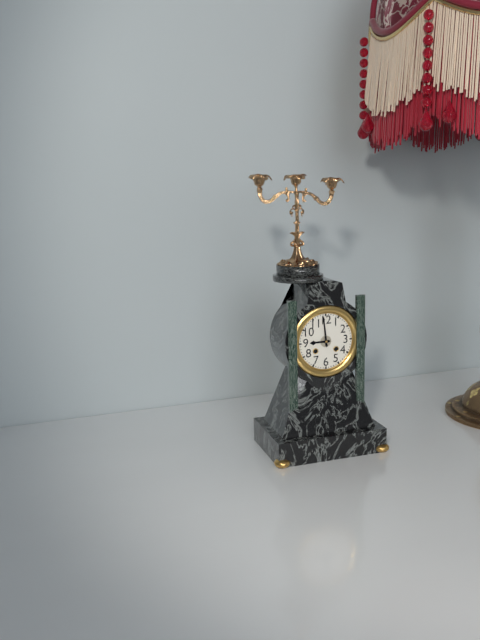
8:59
